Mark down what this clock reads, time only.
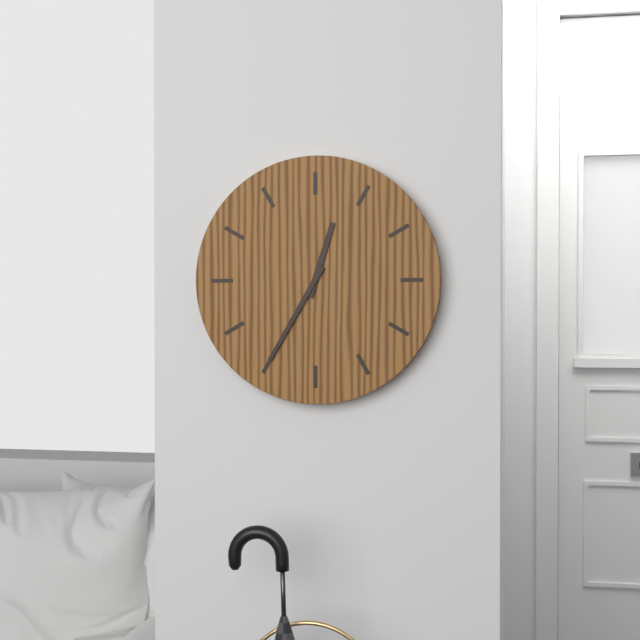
12:35
